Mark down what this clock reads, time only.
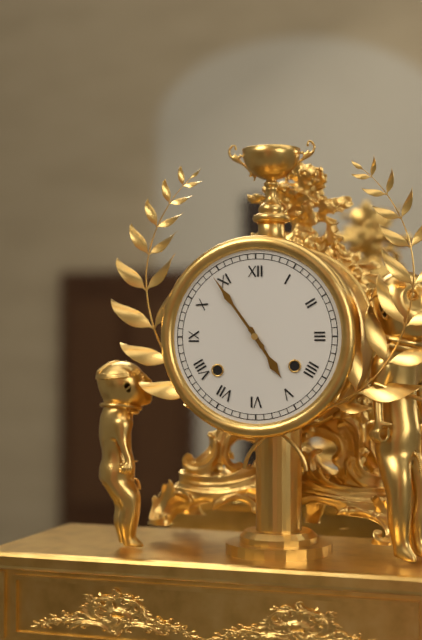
4:54
